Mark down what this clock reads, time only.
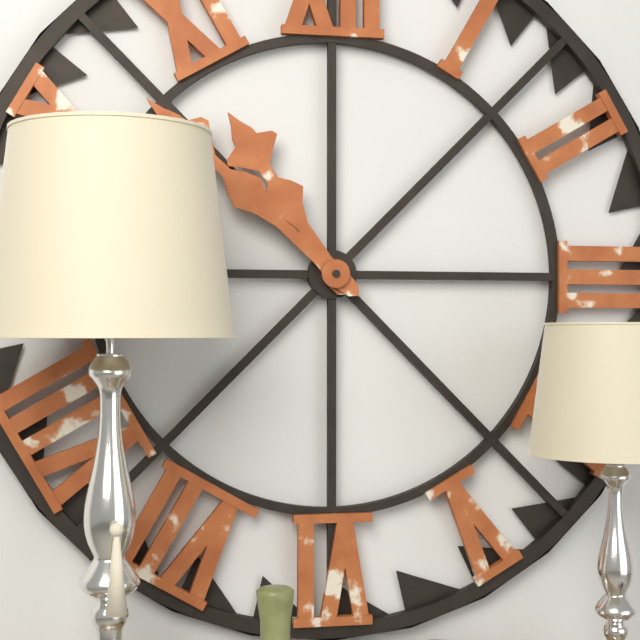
10:52
